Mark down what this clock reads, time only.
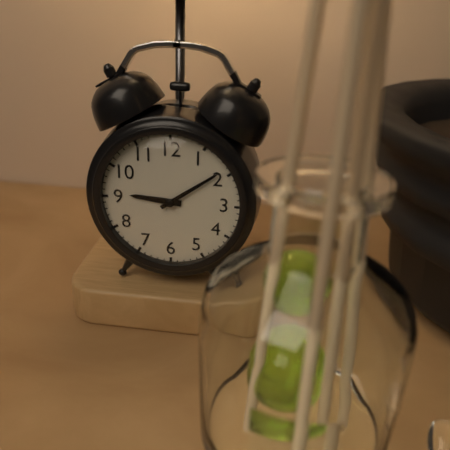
9:09
